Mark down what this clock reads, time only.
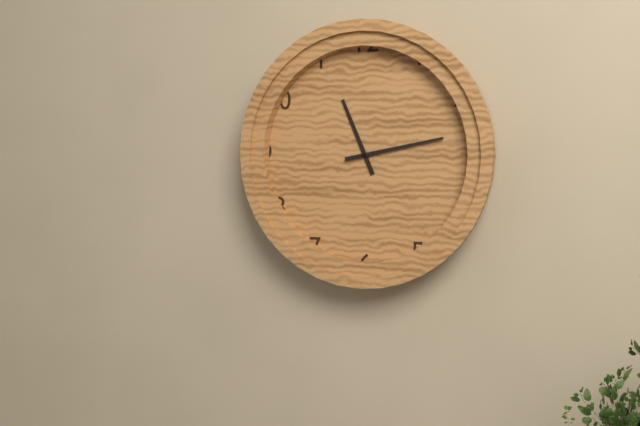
11:13
